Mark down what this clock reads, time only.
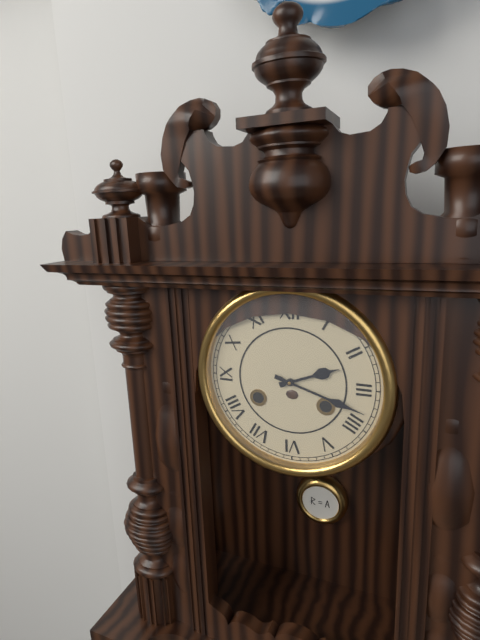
2:18
